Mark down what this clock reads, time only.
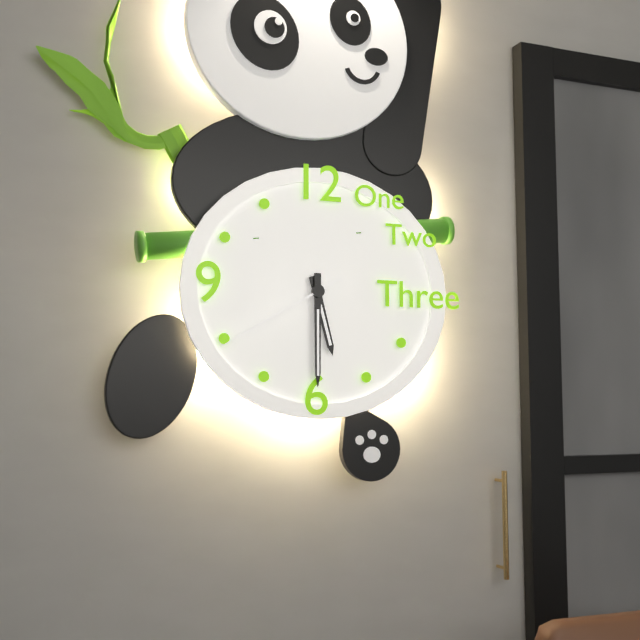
5:30:40
